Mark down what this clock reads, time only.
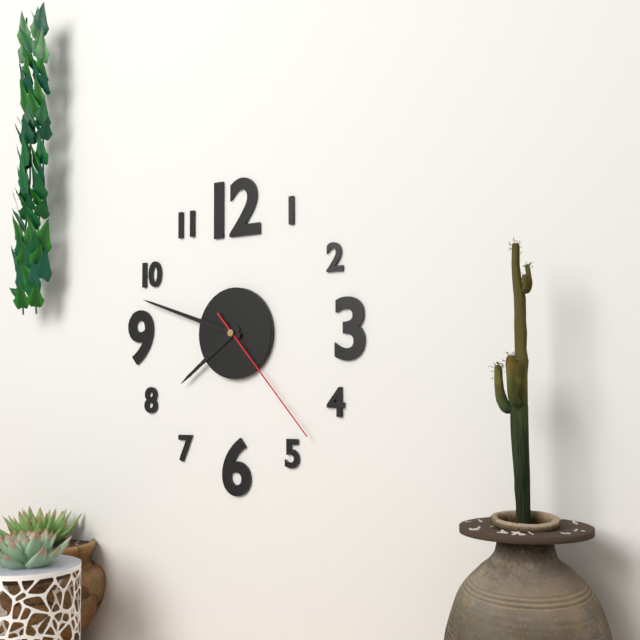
7:48:23
